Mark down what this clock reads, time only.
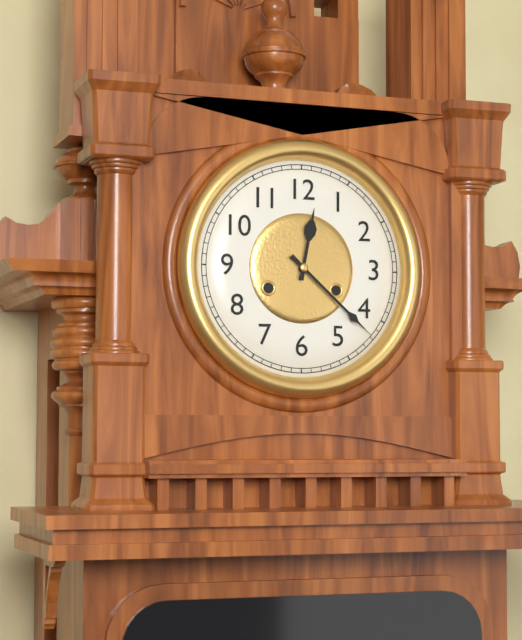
12:22
